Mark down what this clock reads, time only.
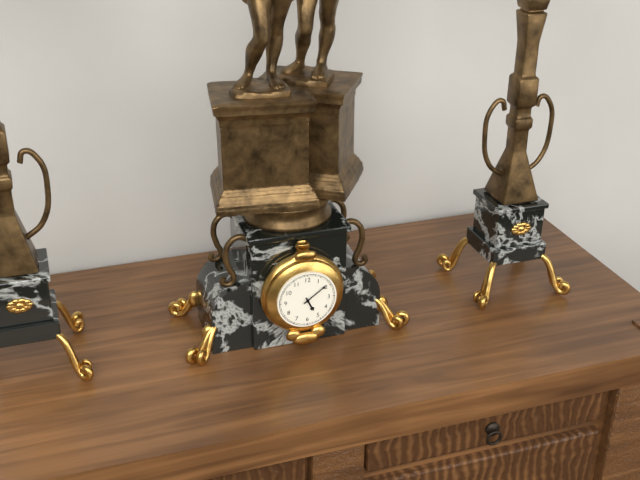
5:09
